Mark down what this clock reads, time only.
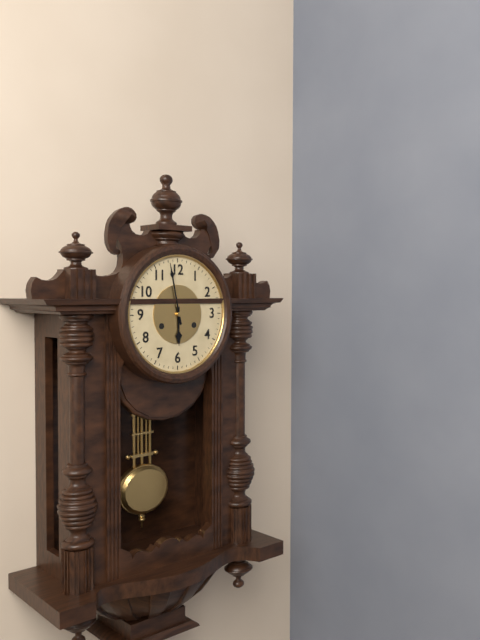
5:58
